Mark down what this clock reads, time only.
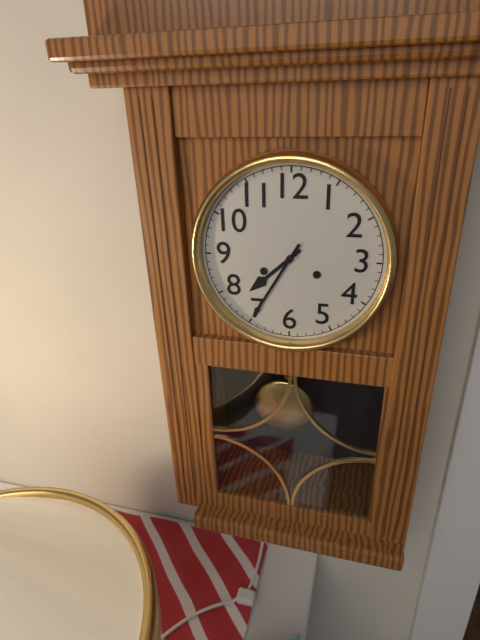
7:35
